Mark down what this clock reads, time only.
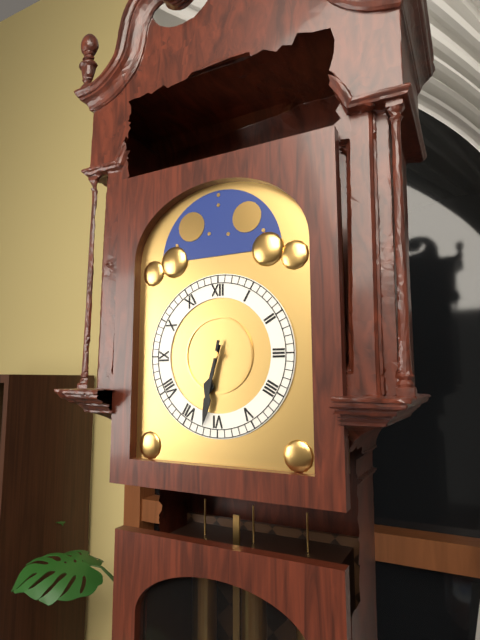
6:32
